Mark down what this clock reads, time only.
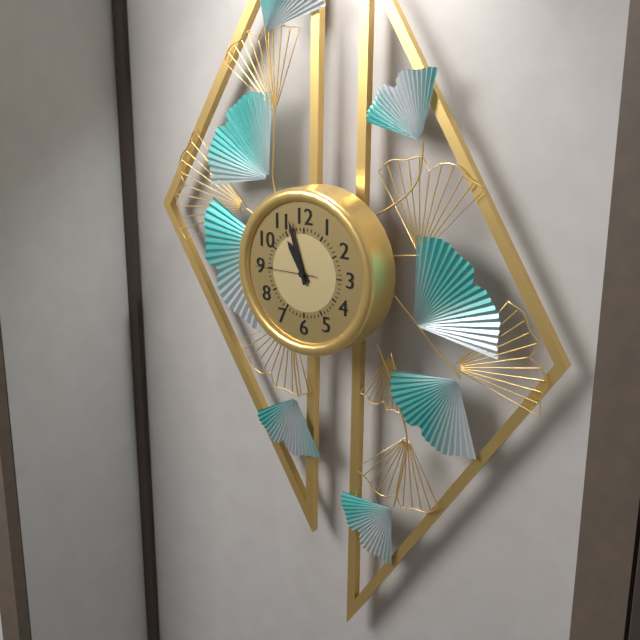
10:57:45
